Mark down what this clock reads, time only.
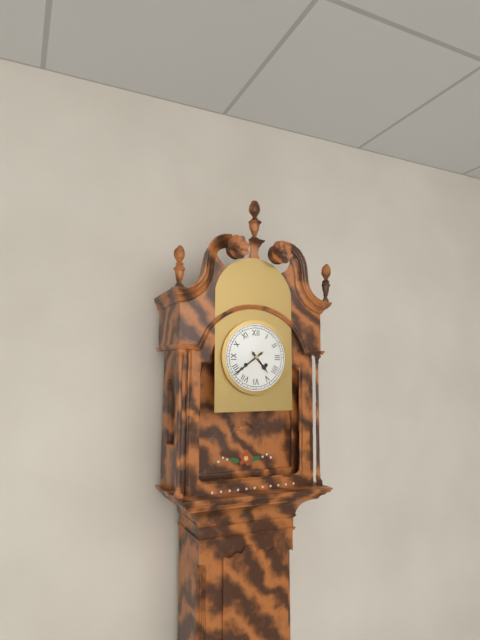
4:39
